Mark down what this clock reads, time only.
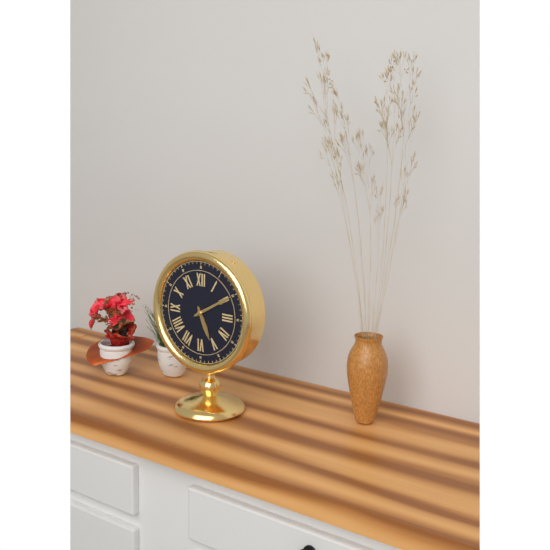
5:10
